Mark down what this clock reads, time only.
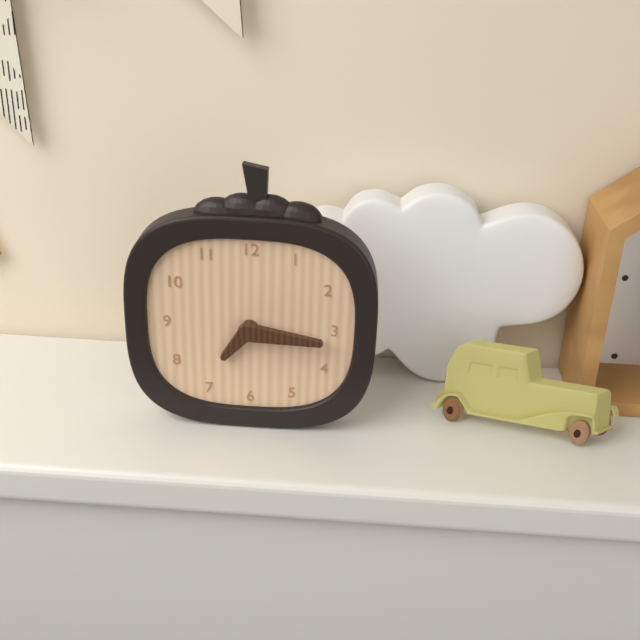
7:16
